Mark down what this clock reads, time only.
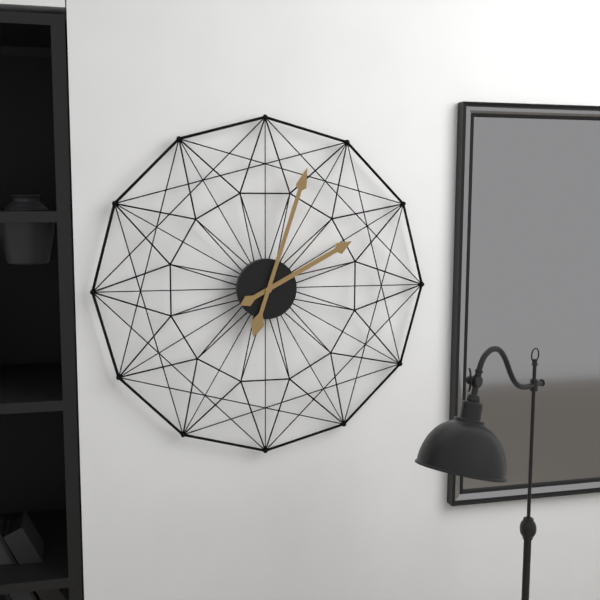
2:03
